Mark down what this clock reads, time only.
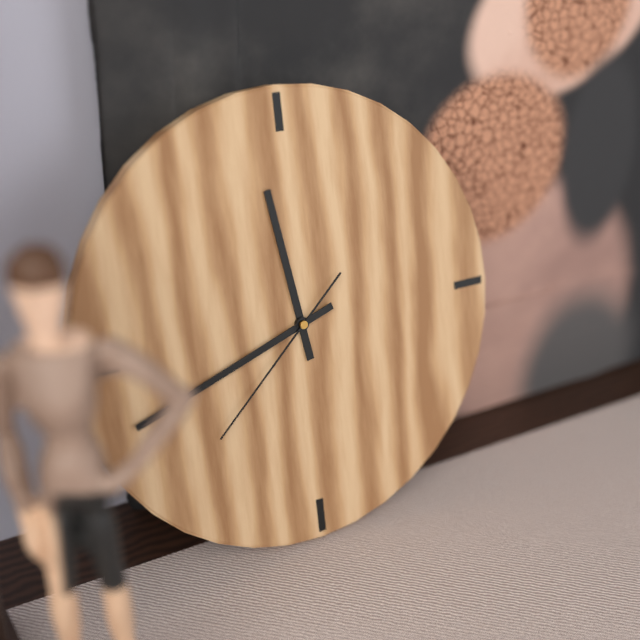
11:42:38
